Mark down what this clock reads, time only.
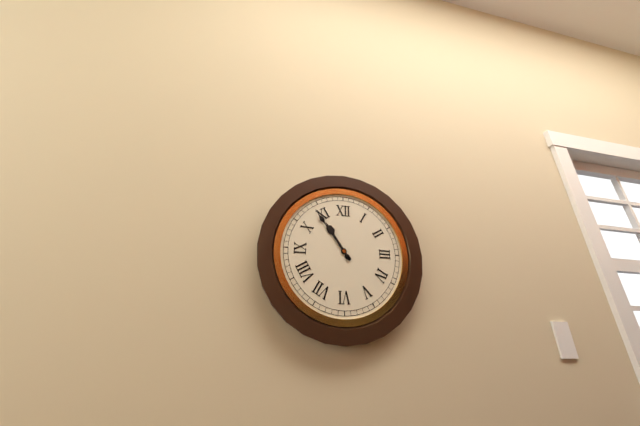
10:54
